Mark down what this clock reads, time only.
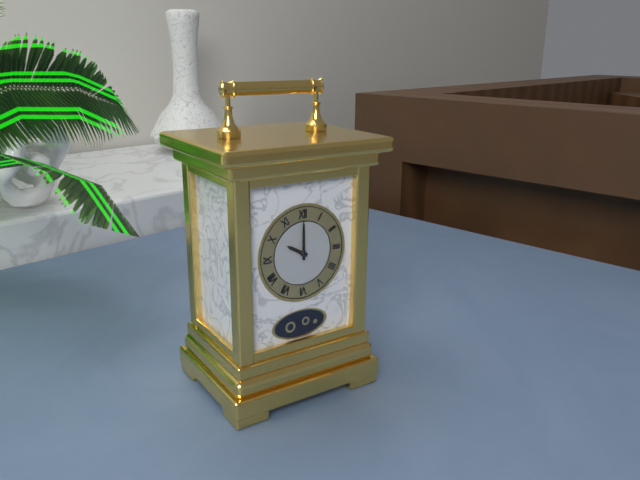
10:00
